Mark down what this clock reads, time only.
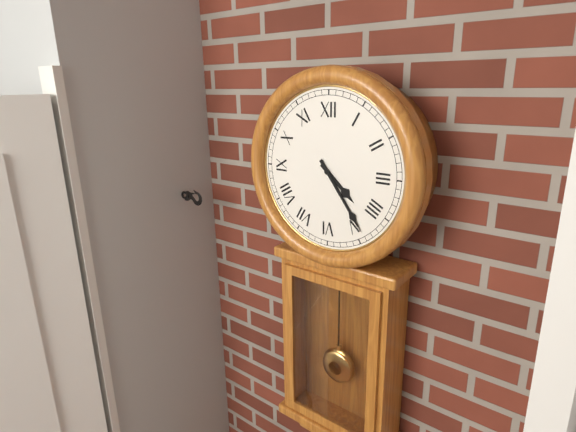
4:24
